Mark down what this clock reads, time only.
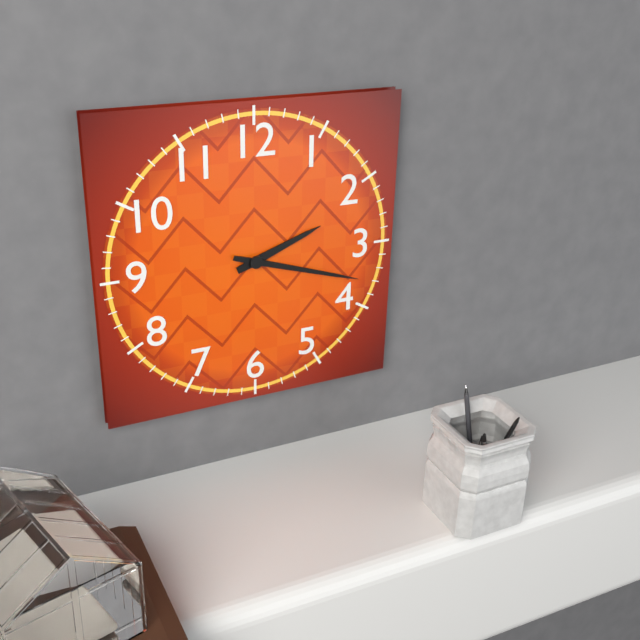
2:18
